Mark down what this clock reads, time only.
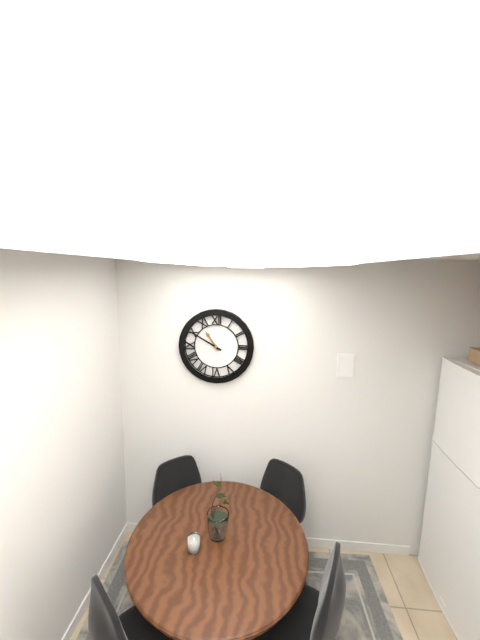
10:50
